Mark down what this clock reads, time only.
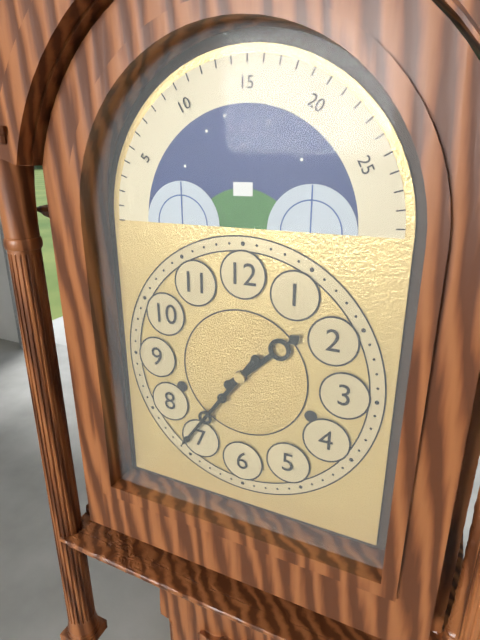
1:36
